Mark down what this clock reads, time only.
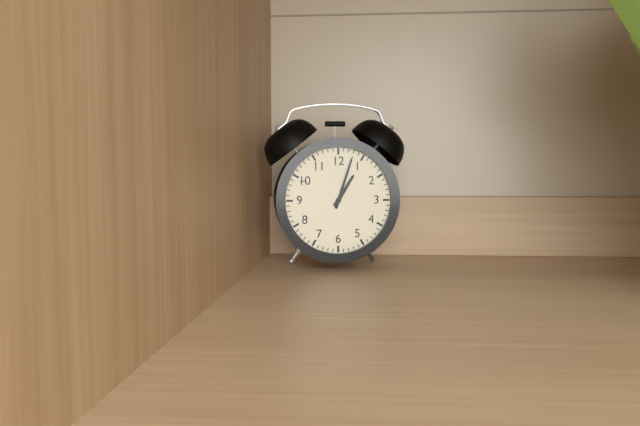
1:03
